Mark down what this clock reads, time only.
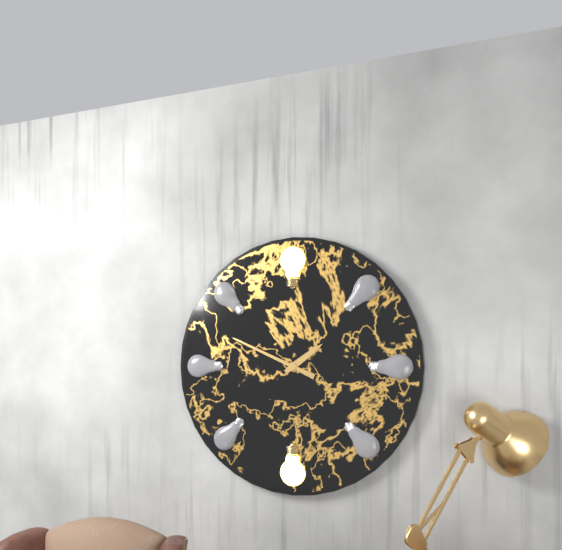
1:49
